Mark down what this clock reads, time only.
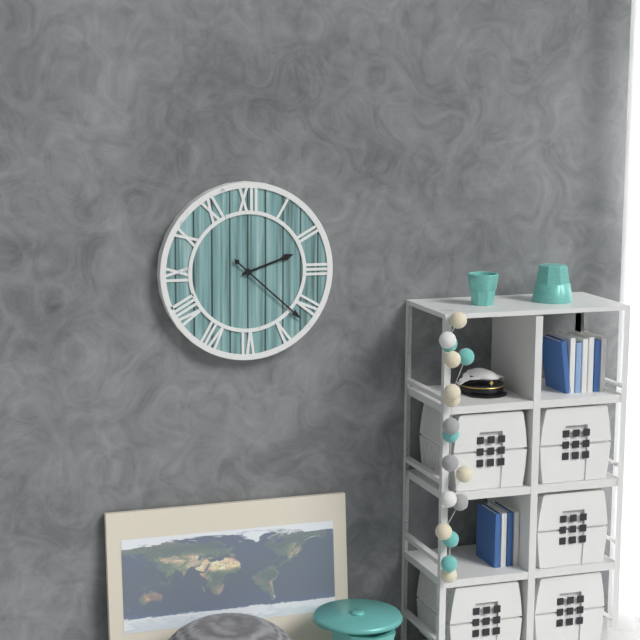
2:22
